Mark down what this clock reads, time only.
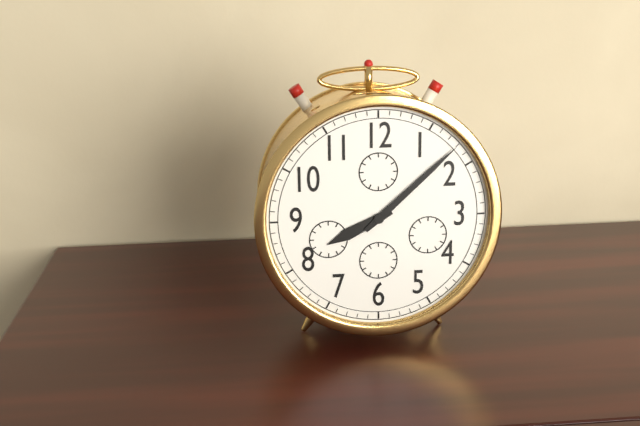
8:08
